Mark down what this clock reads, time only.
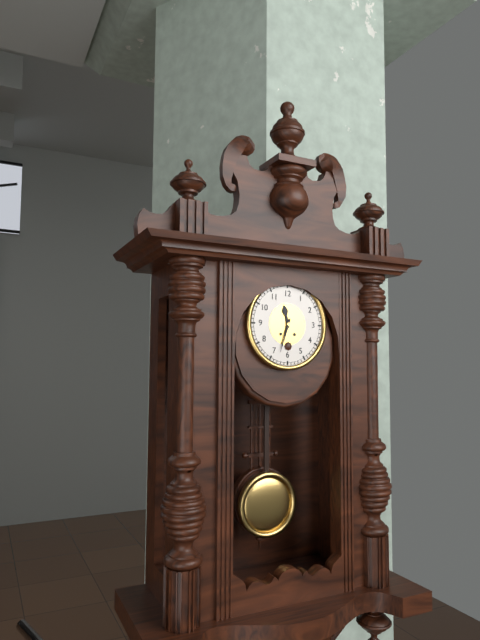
11:33
